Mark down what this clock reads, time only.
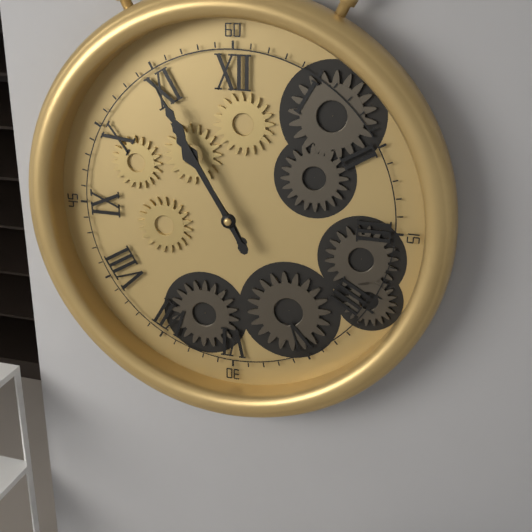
10:55
